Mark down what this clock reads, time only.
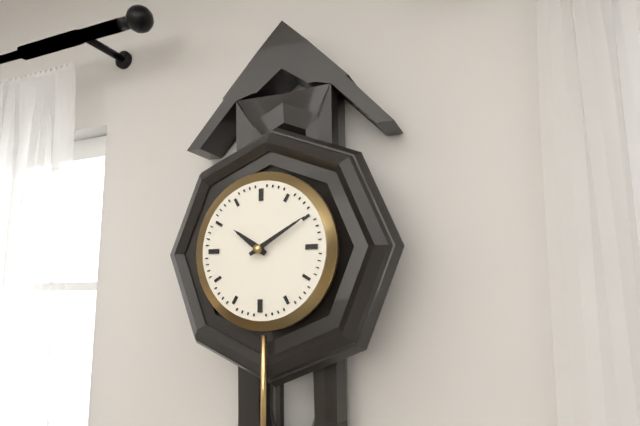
10:10
